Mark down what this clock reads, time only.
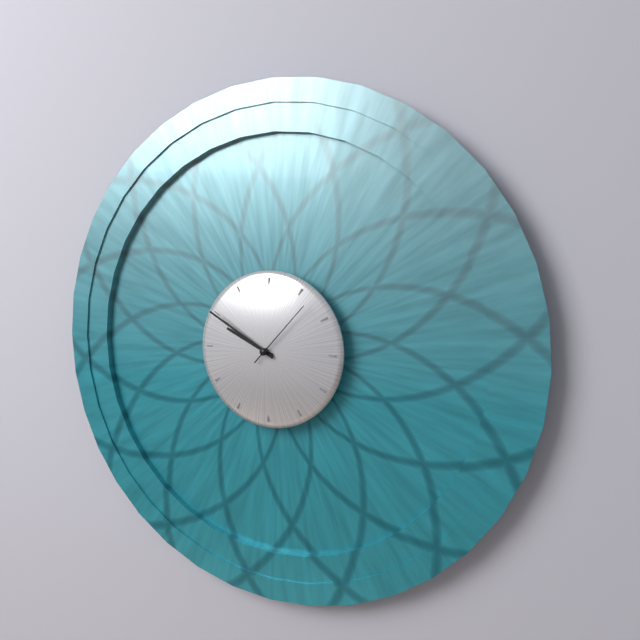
9:50:07
